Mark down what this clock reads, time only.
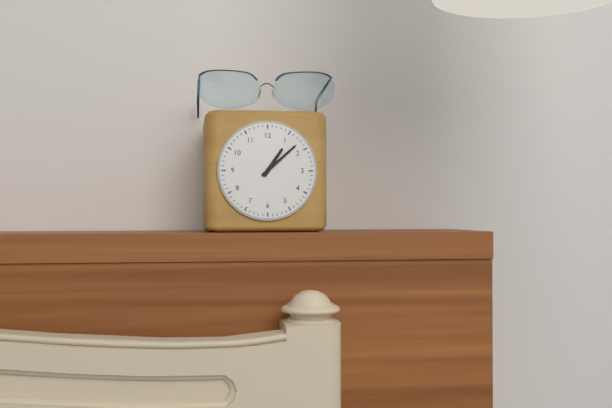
1:08
